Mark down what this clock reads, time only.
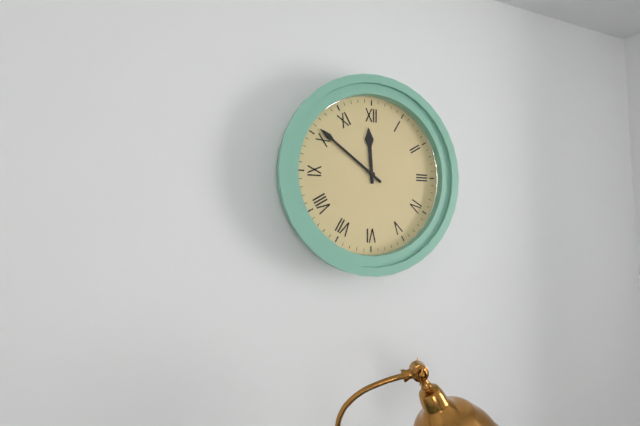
11:51
